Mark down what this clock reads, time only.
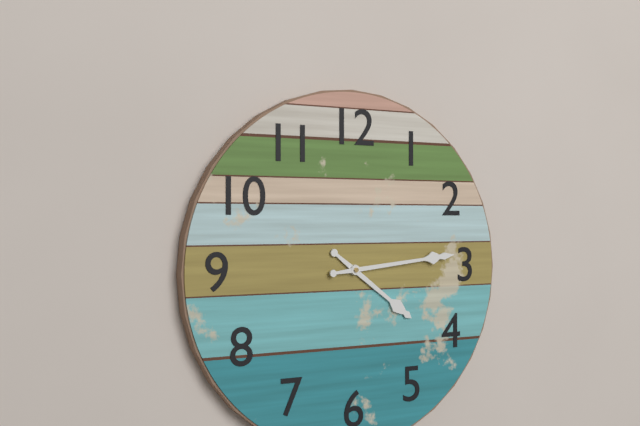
4:14
